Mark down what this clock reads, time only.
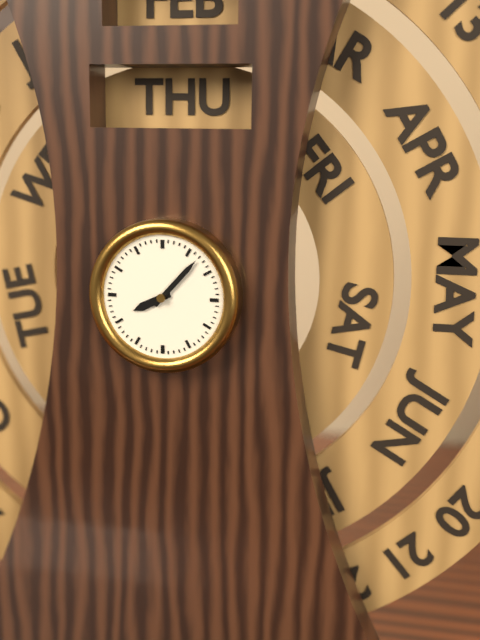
8:07
